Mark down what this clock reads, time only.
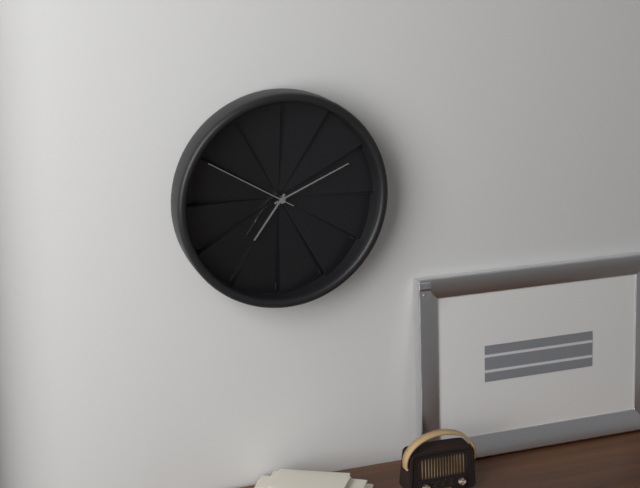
7:11:50
